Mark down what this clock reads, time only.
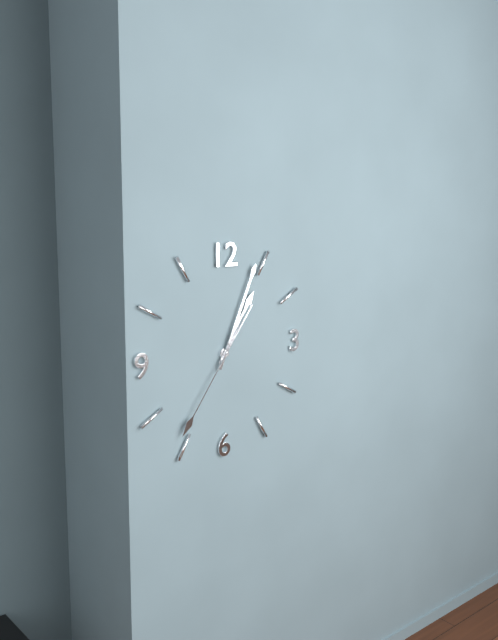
1:04:36
